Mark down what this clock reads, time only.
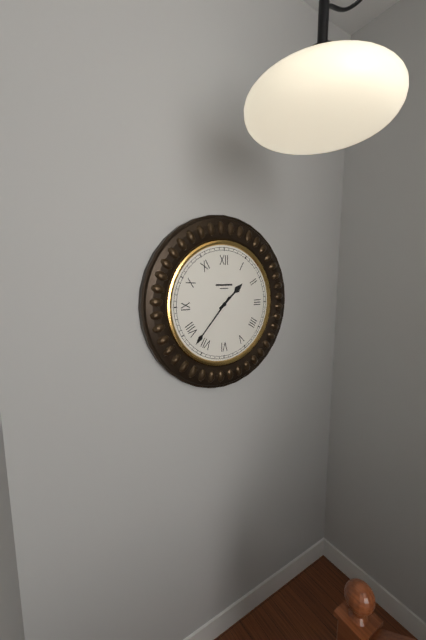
1:37
